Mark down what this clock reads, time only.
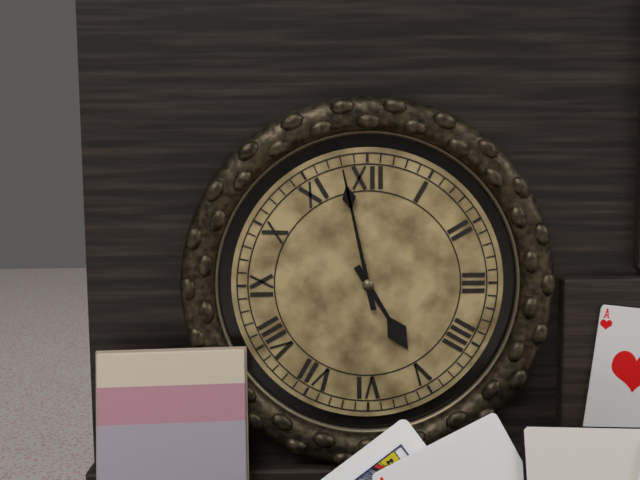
4:58
